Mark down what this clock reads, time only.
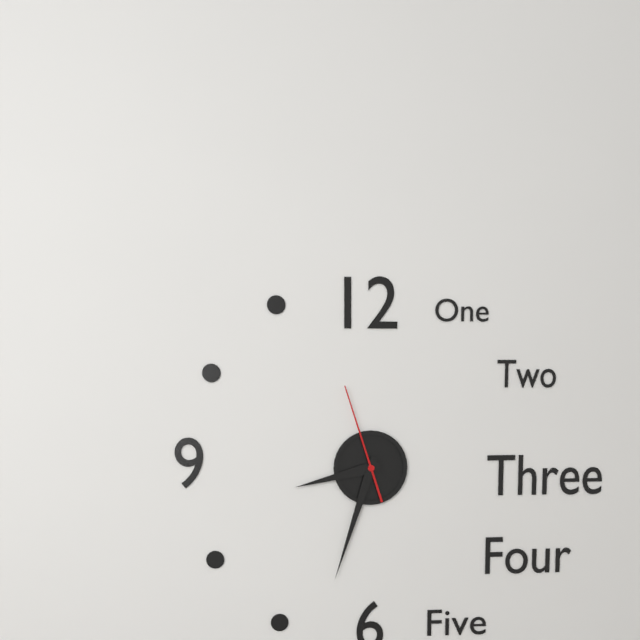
8:33:57
